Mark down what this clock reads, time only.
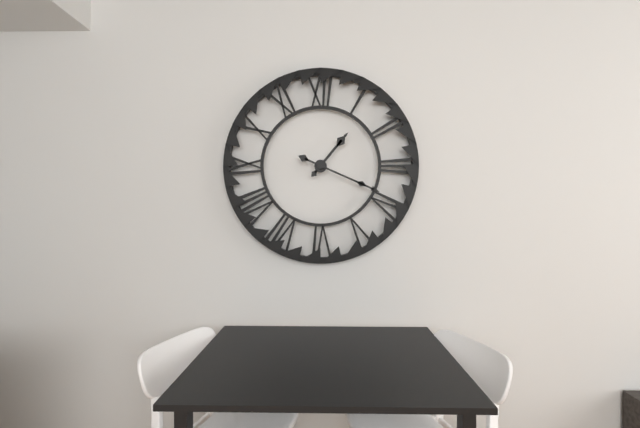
1:19
